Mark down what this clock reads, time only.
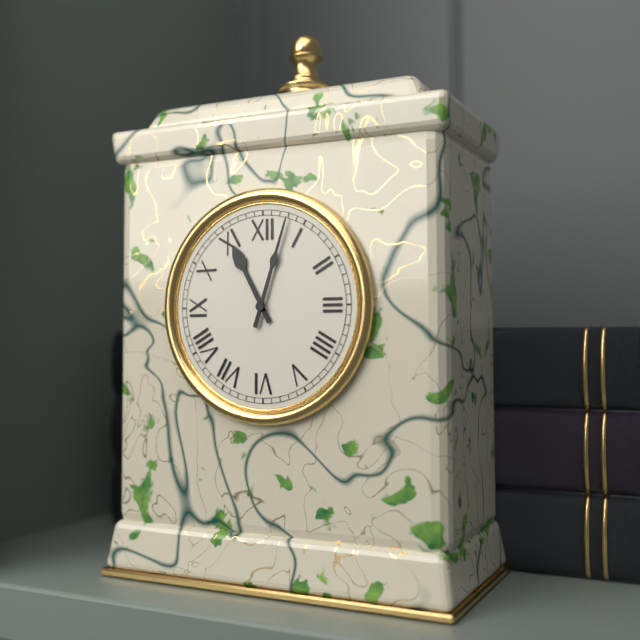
11:03
